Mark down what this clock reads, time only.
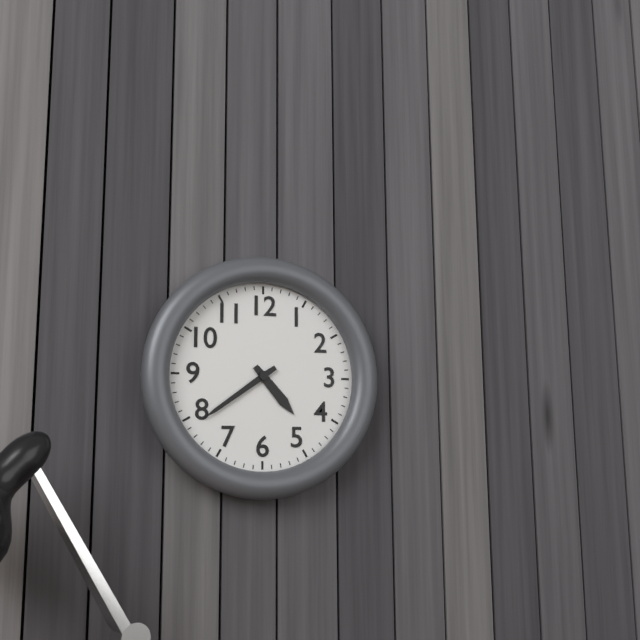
4:39
